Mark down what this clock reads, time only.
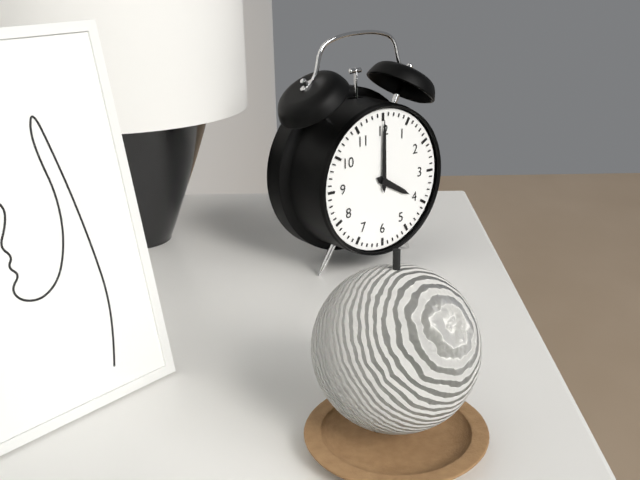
4:00
